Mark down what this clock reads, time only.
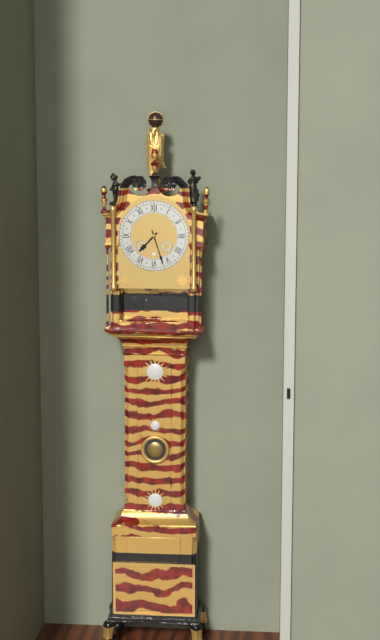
7:27
